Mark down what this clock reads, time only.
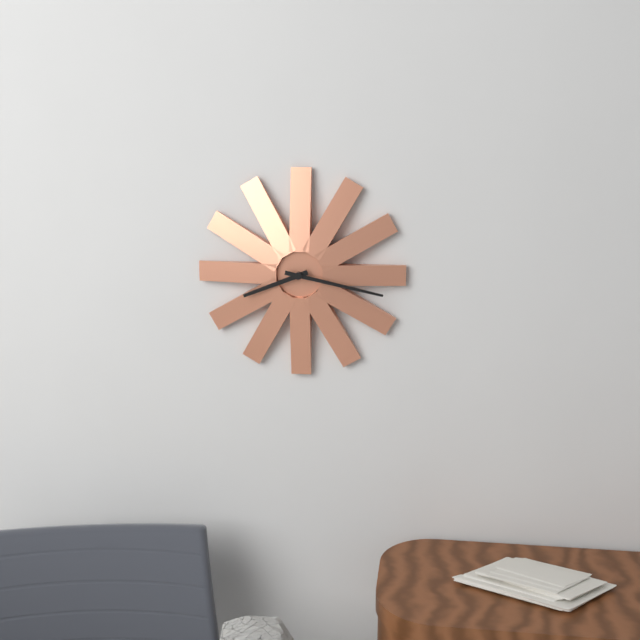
8:17
